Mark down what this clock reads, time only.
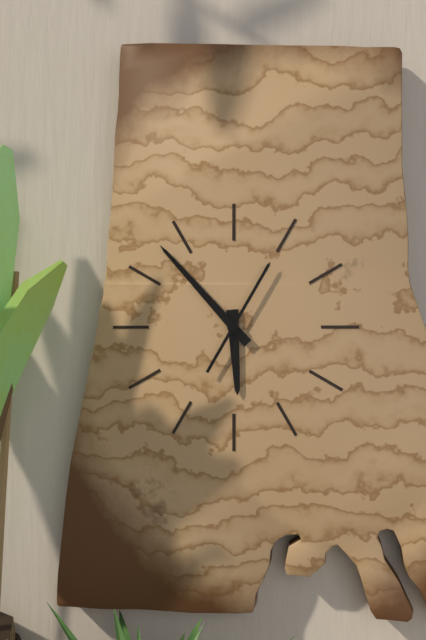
5:53:05
